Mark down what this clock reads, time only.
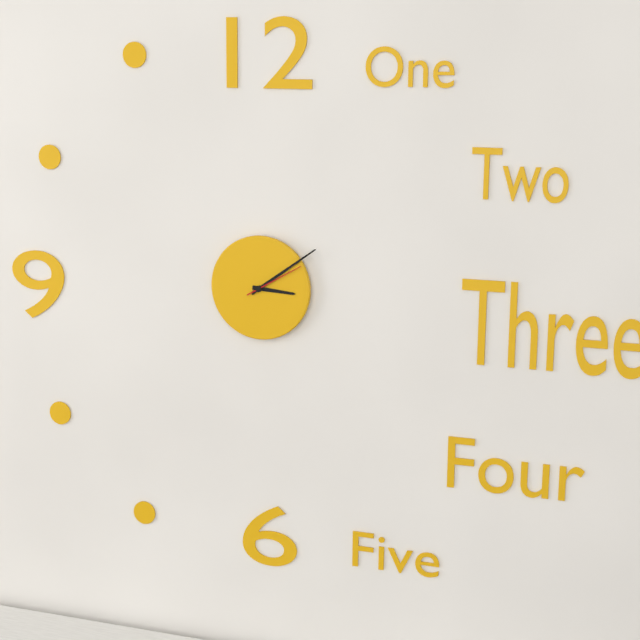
3:09:10
